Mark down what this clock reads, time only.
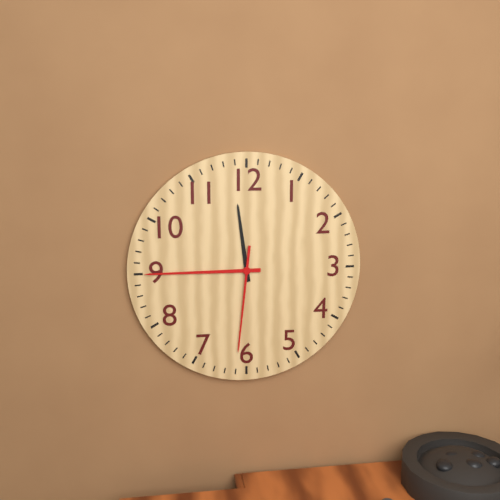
11:45:31
